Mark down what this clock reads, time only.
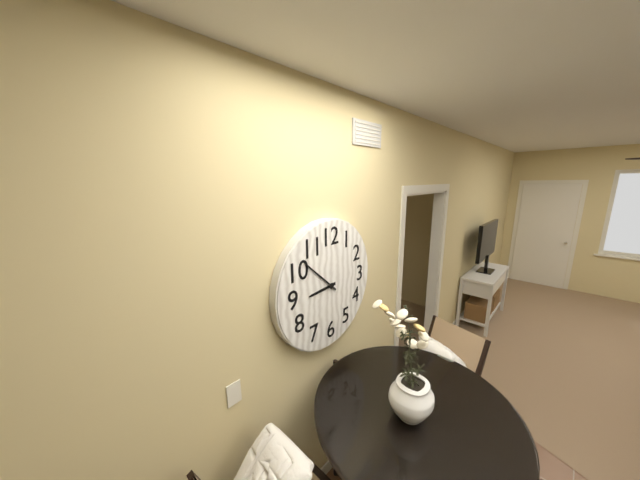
8:52
